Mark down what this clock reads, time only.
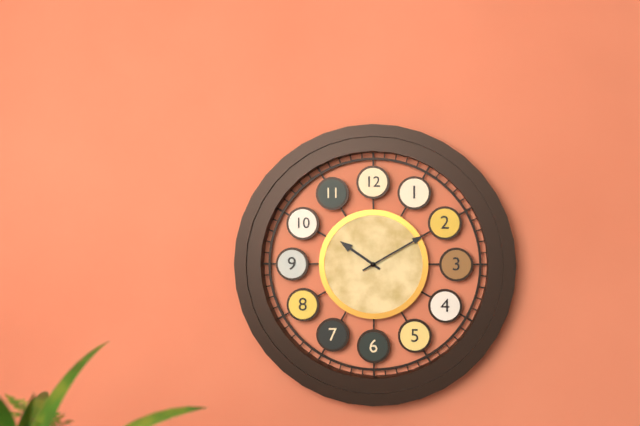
10:10
